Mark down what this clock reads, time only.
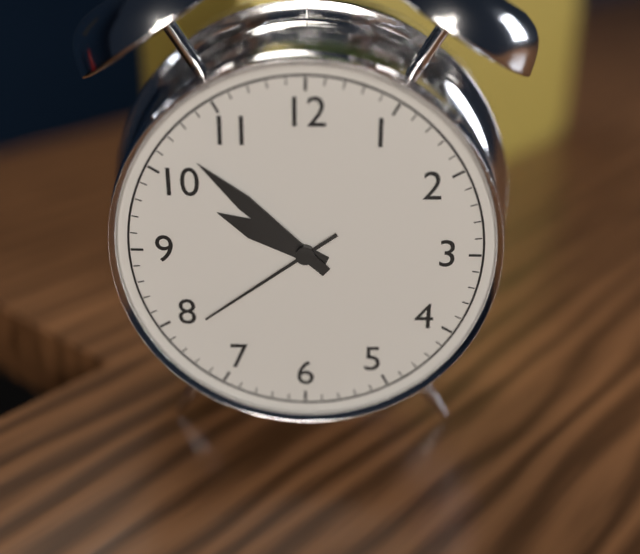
9:52:39
